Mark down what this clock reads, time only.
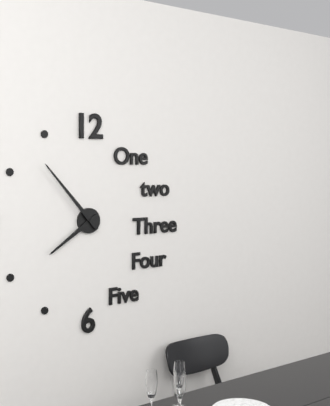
7:53
